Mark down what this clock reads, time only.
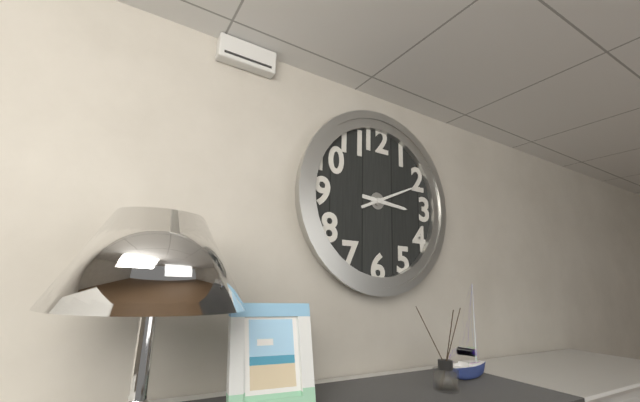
3:11
